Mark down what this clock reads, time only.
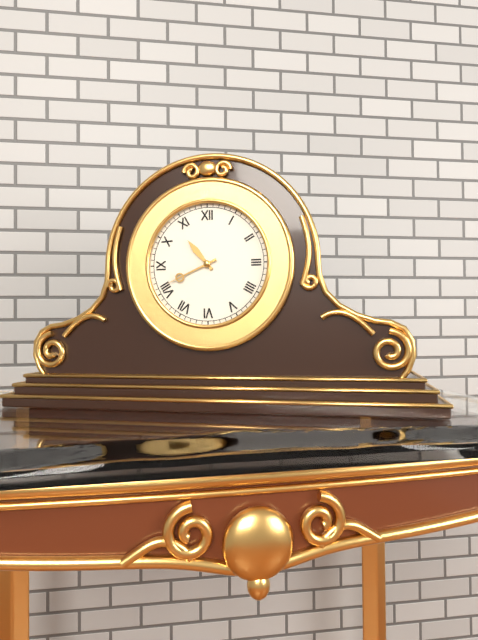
10:41
